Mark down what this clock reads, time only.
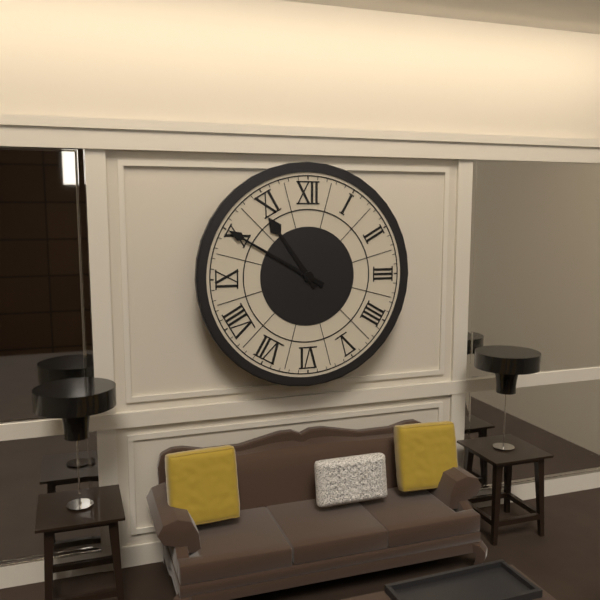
10:50
